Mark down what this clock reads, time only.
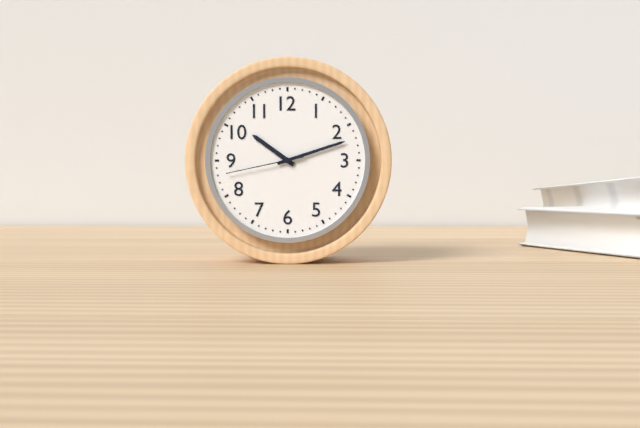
10:12:43
